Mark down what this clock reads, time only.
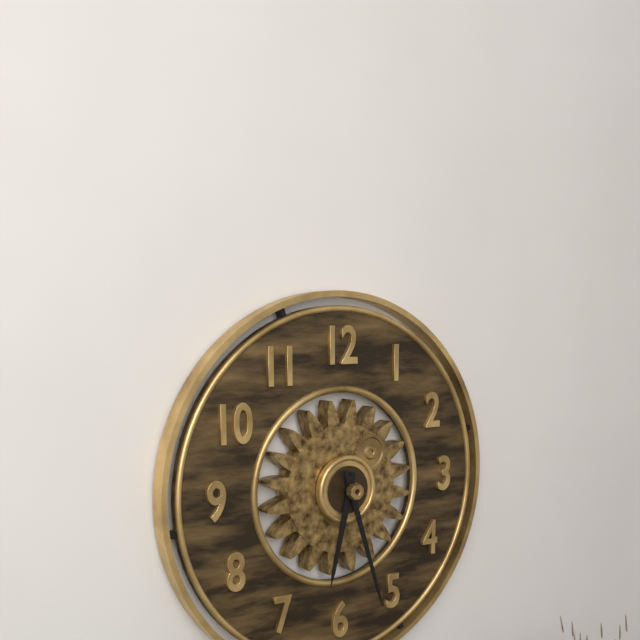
6:27
